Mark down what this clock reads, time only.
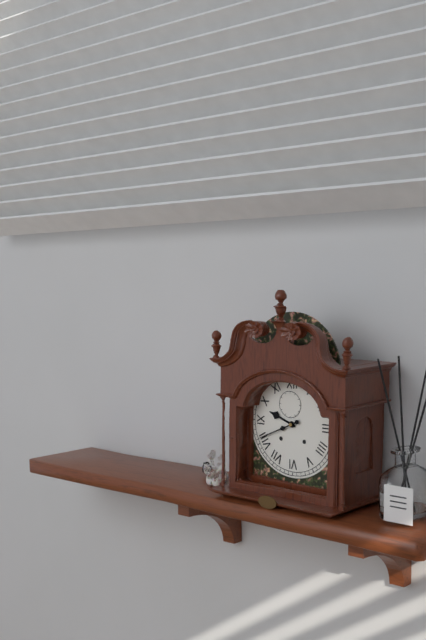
9:41
